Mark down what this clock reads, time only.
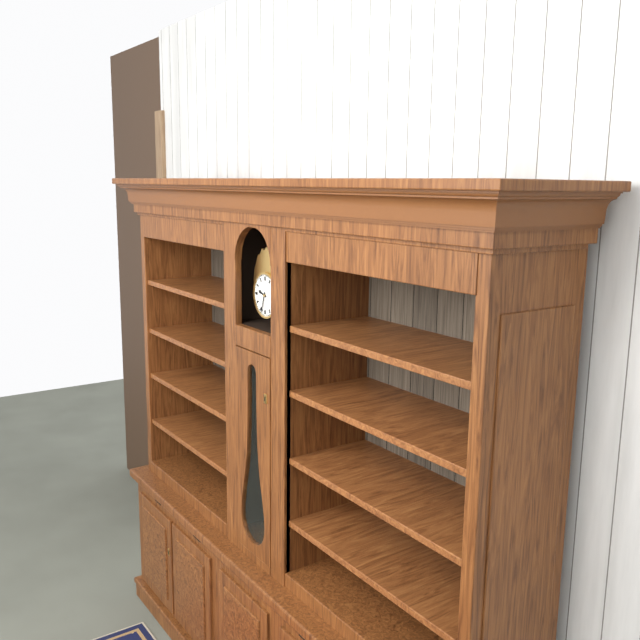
9:33
